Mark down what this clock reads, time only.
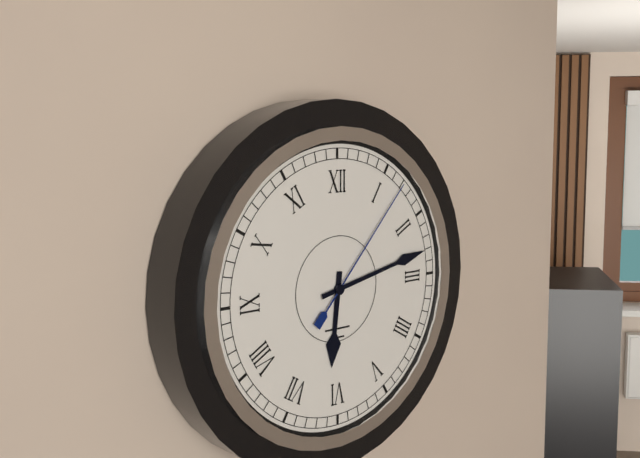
6:13:07
